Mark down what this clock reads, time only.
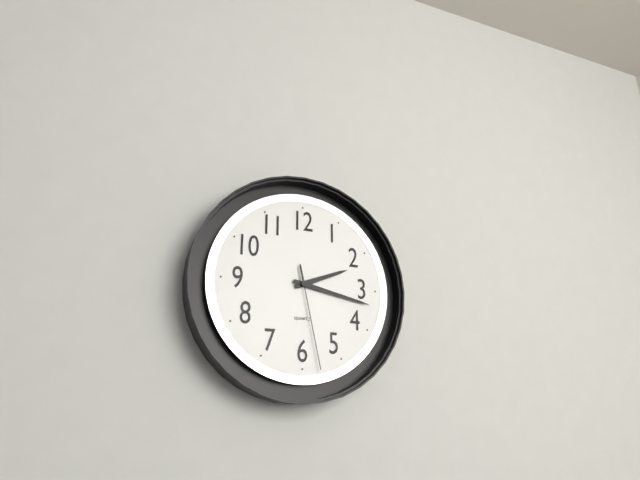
2:17:28
